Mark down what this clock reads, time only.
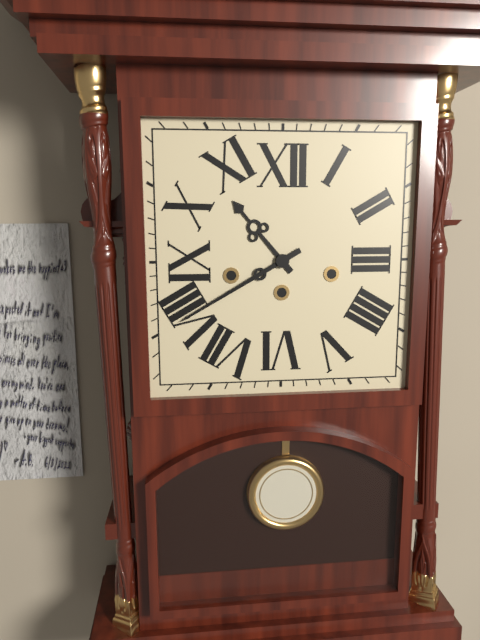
10:40
